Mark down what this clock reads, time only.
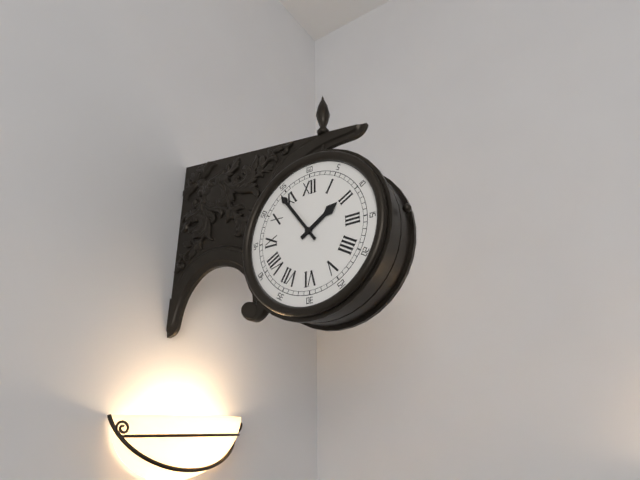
1:54
